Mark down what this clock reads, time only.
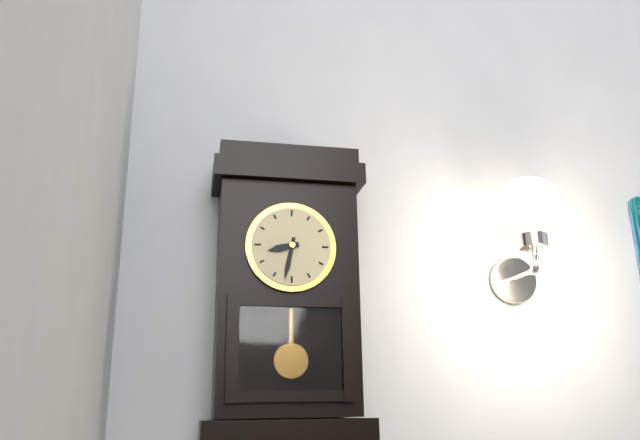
8:32
